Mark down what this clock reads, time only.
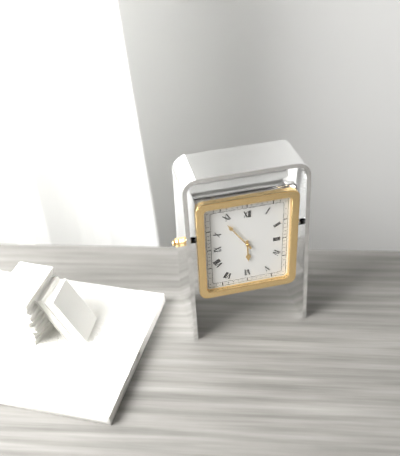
5:54
